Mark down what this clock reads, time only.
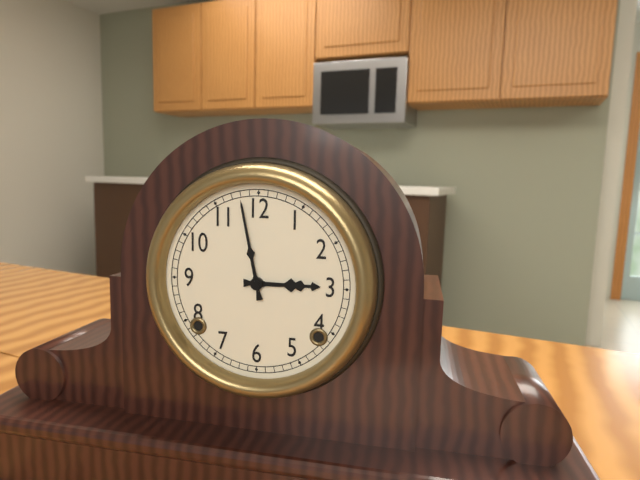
2:58
